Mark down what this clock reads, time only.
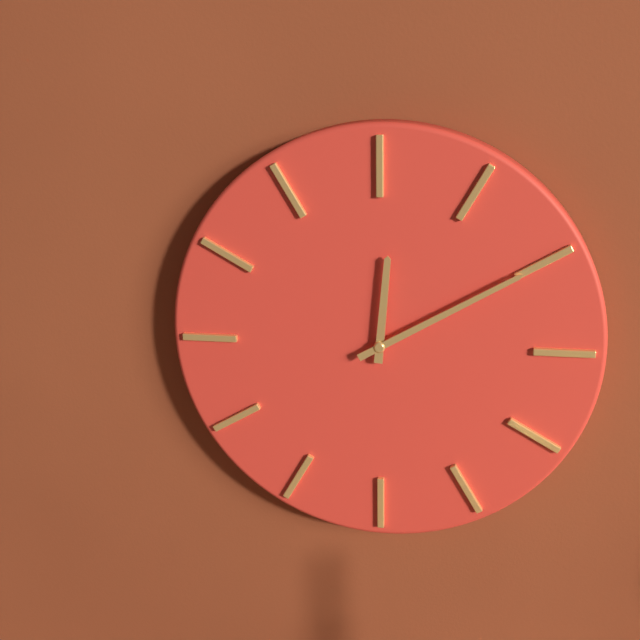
12:10
